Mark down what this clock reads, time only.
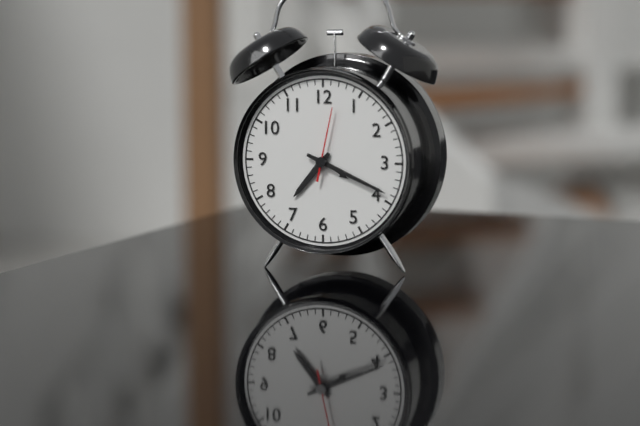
7:19:02
